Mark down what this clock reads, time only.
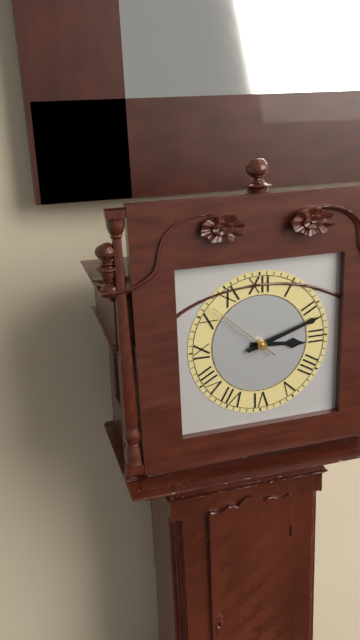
3:12:52
